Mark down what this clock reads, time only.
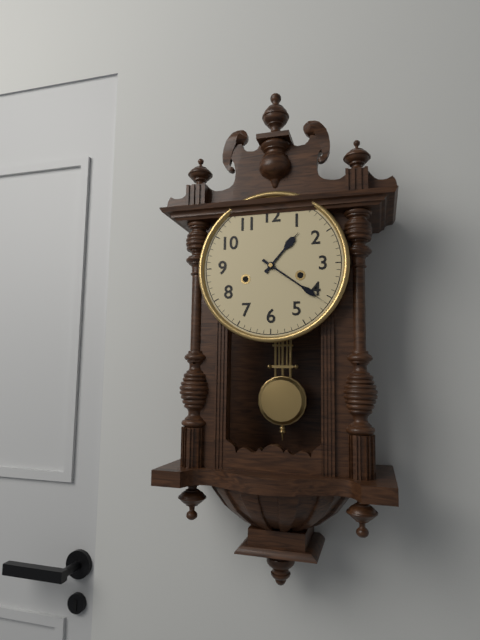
1:21
